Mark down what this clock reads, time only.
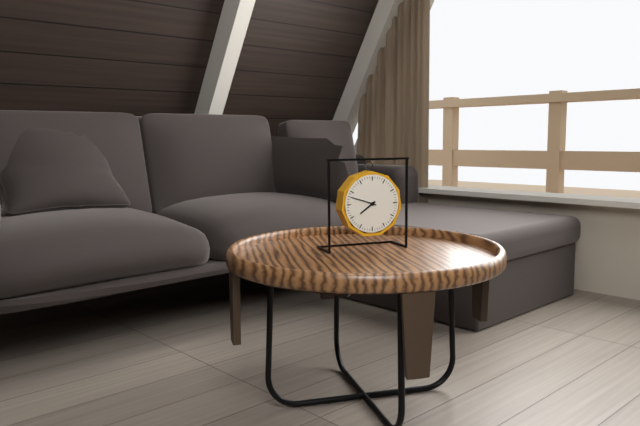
7:48
